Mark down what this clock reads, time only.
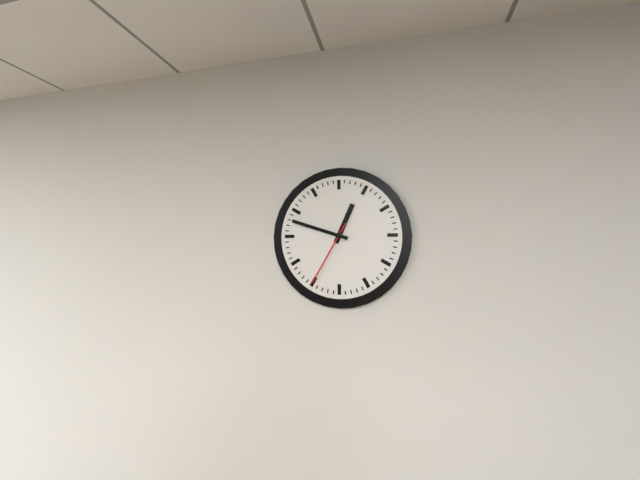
12:48:35
